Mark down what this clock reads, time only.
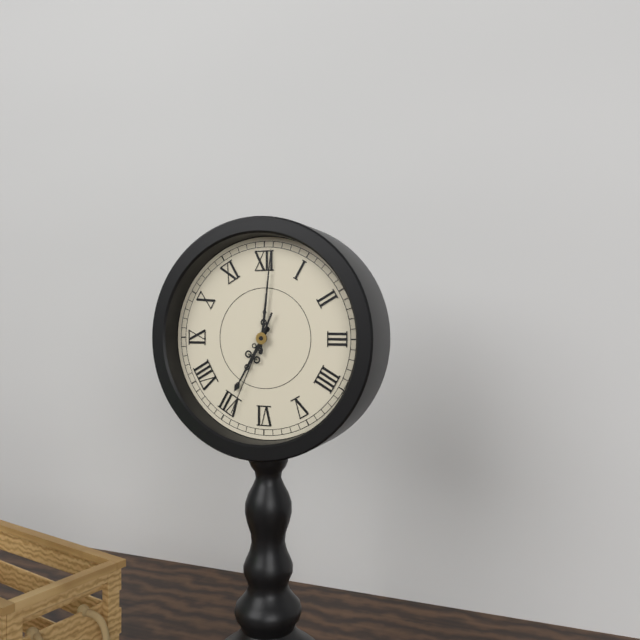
7:01:34
